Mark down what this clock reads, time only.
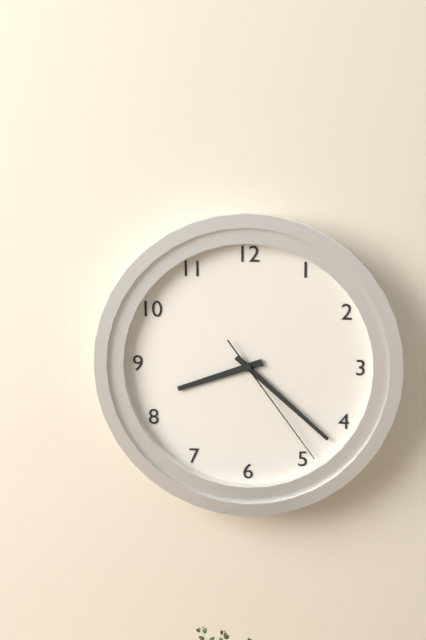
8:22:24
